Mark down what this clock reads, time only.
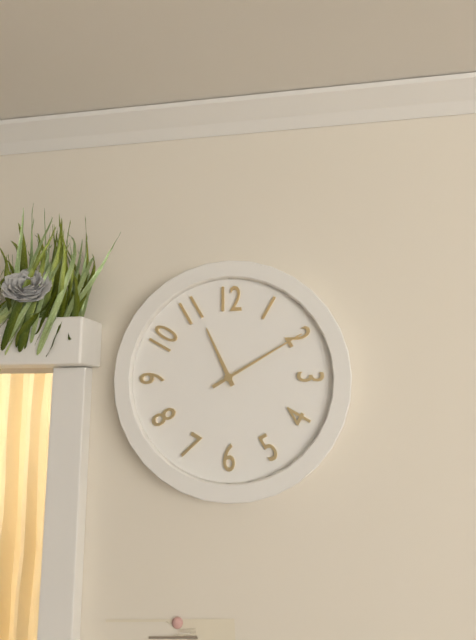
11:10
